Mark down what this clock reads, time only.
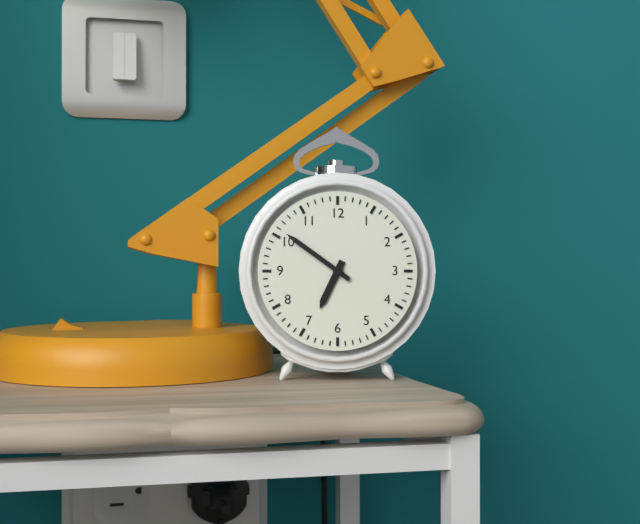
6:51
